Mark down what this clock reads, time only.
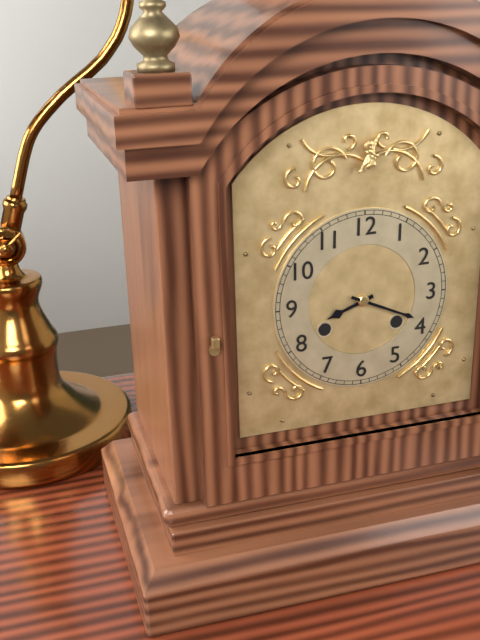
8:19
